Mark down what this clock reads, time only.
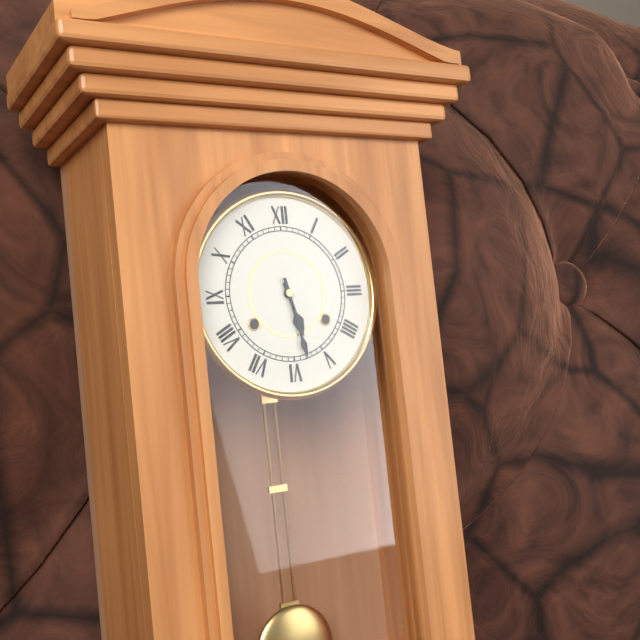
5:28
